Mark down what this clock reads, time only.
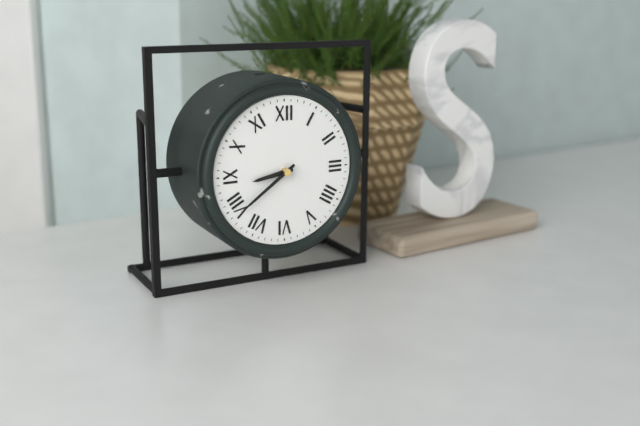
8:39
